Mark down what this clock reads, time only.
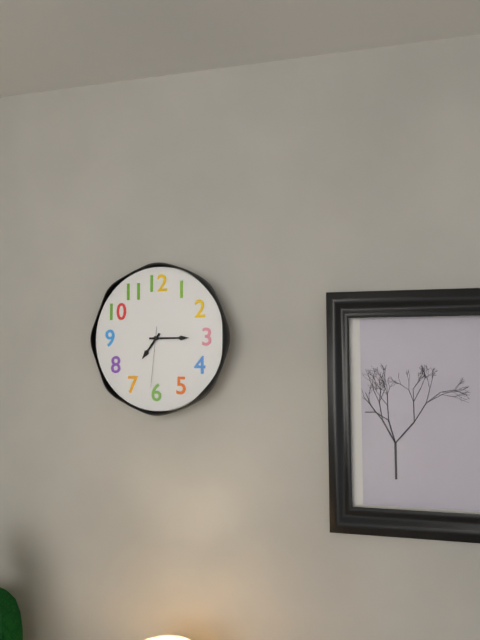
7:15:31
